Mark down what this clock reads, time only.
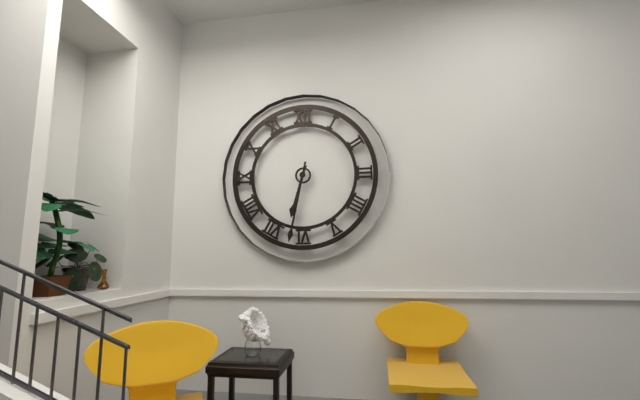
6:32
